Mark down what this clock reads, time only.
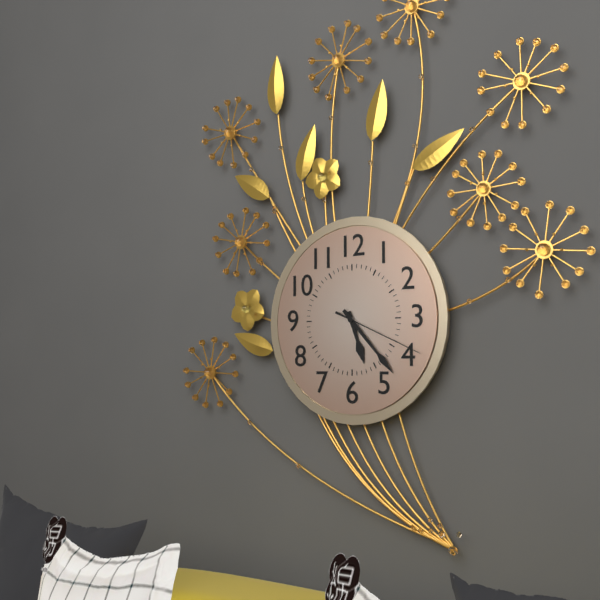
5:23:19
